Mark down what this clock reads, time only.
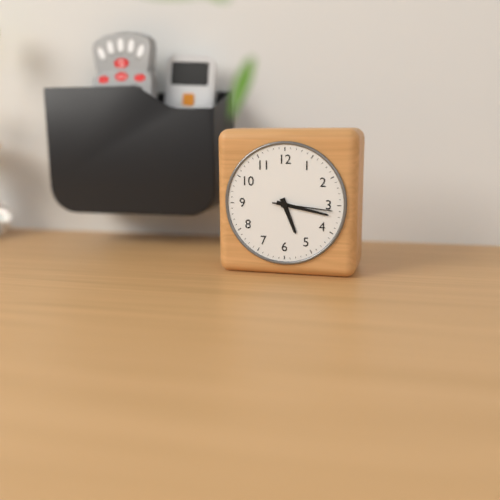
5:17:16
